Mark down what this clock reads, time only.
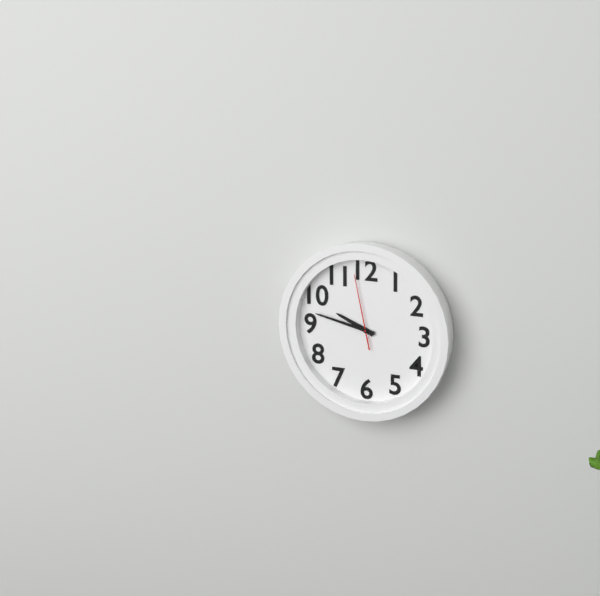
9:47:58
